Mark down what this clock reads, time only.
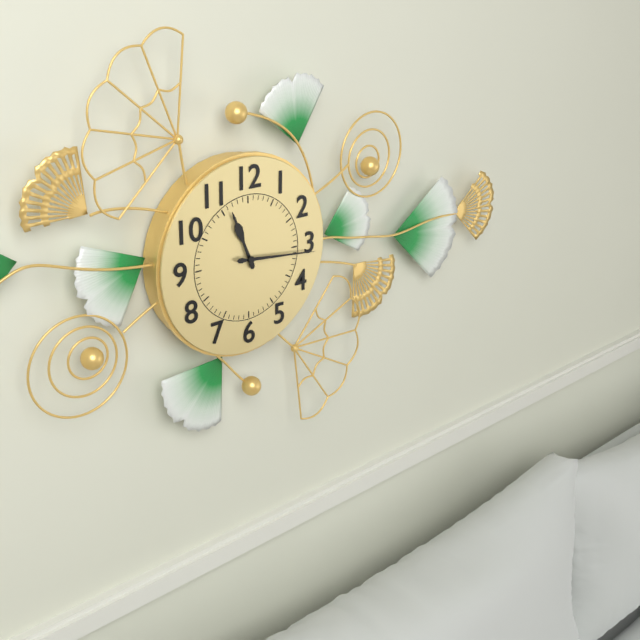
11:16
